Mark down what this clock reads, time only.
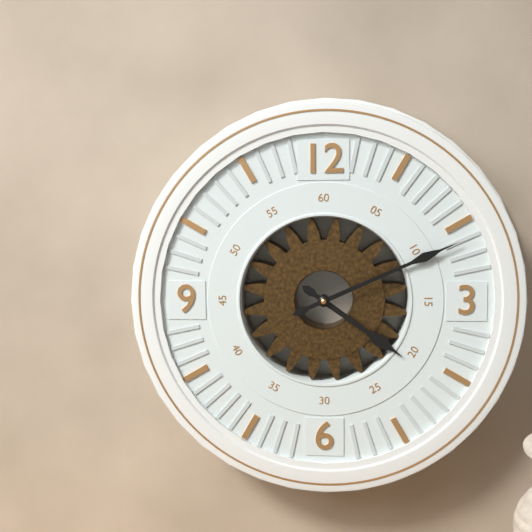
4:11
